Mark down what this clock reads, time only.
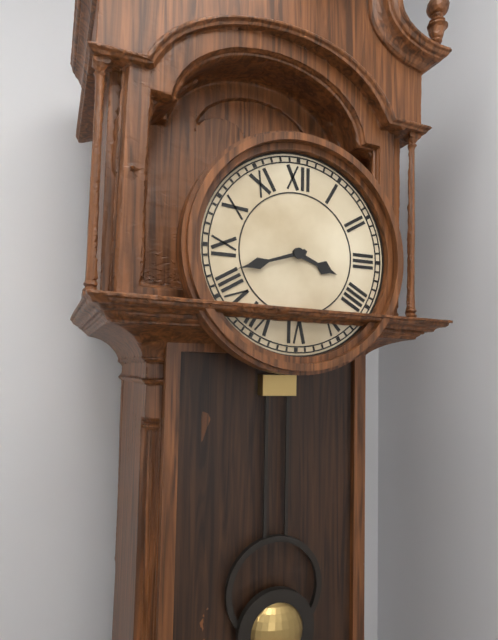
3:42
